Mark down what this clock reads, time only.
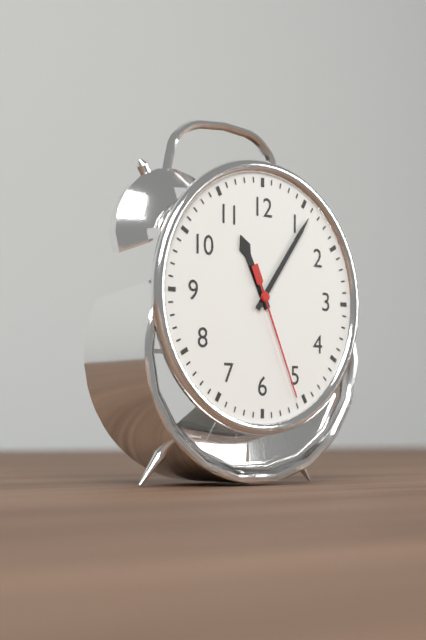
11:06:26
